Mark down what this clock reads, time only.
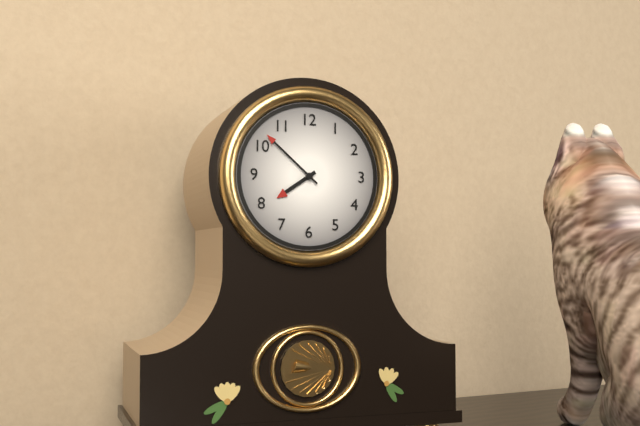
7:52
